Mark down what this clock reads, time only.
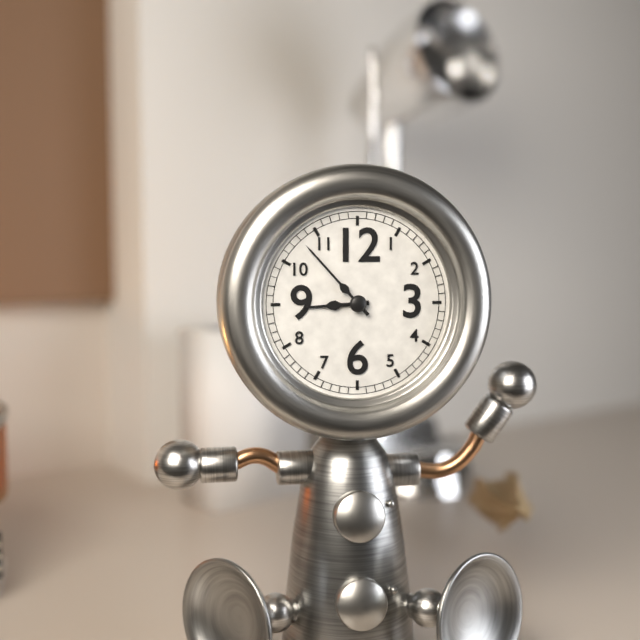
8:53
